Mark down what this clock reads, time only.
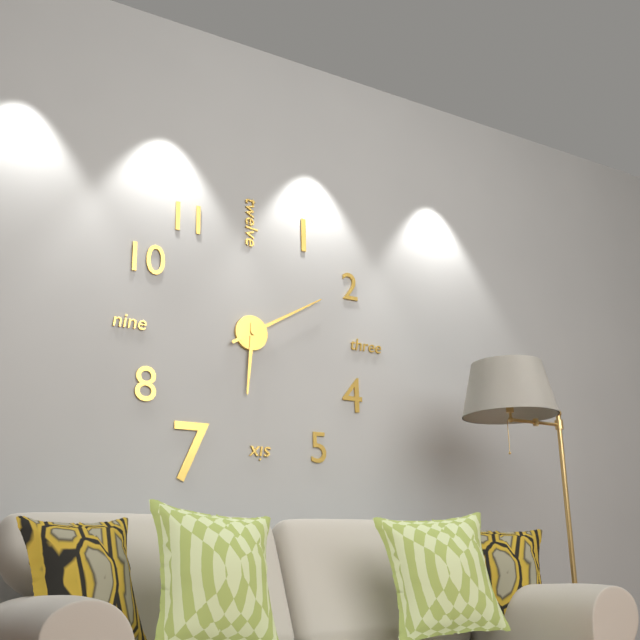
6:10
